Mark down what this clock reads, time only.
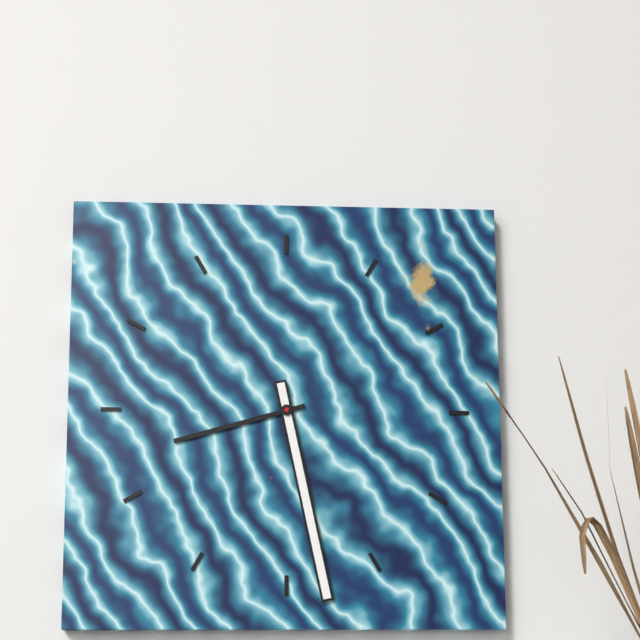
8:28
